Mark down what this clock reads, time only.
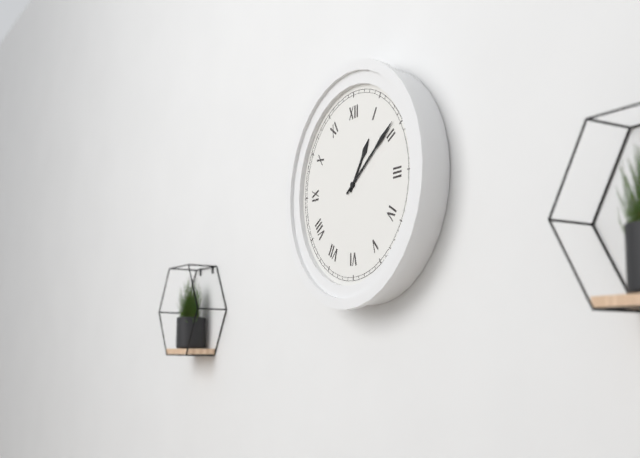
1:09
